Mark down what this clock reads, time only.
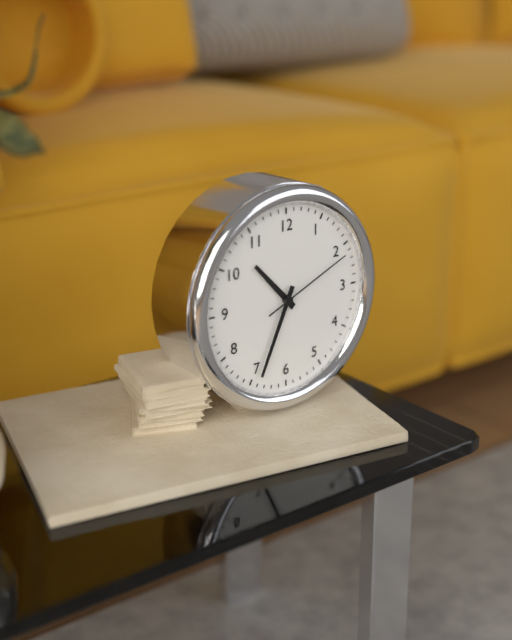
10:34:11
